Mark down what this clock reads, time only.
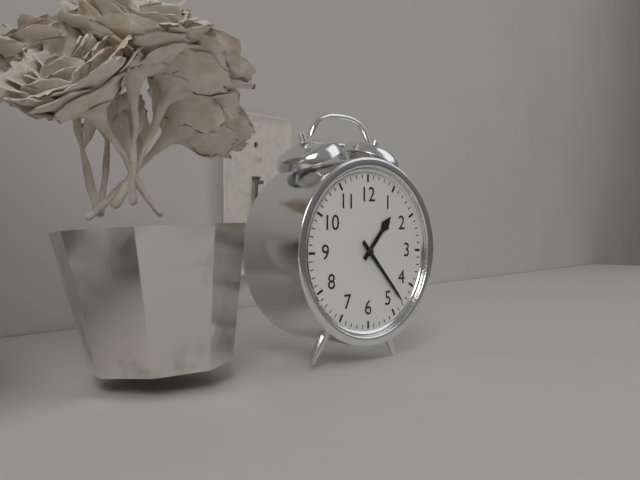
1:23
